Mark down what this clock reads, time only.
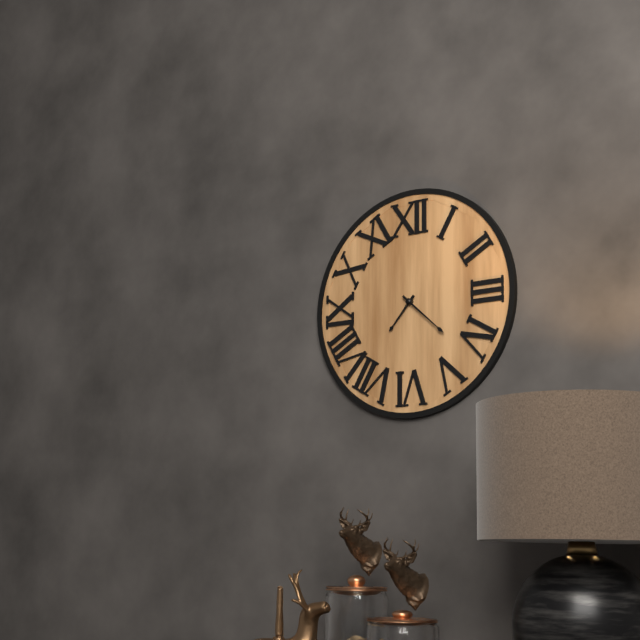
7:22
